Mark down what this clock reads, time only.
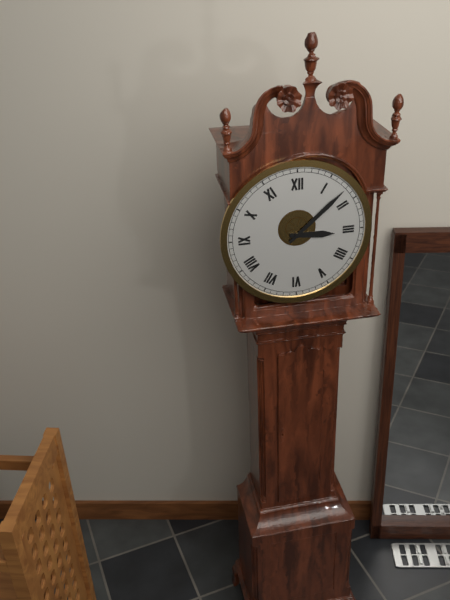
3:08
